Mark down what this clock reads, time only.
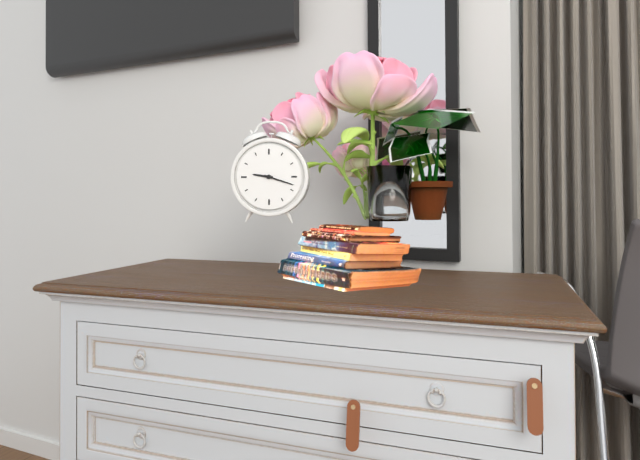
9:18
